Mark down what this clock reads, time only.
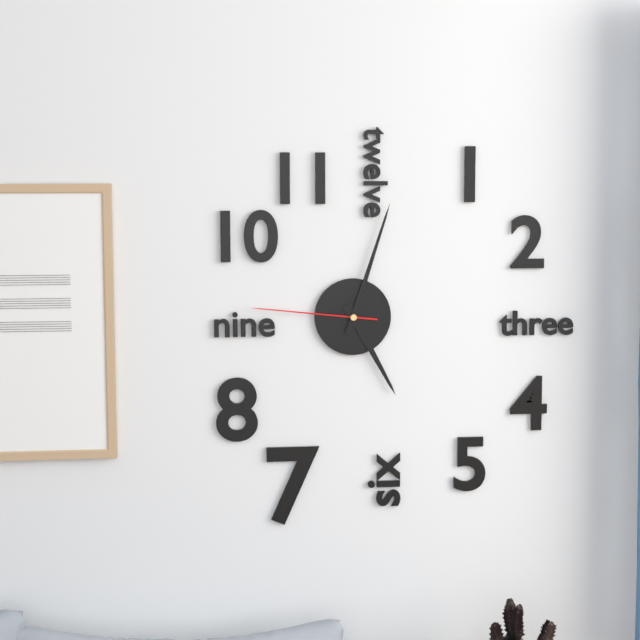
5:03:46
